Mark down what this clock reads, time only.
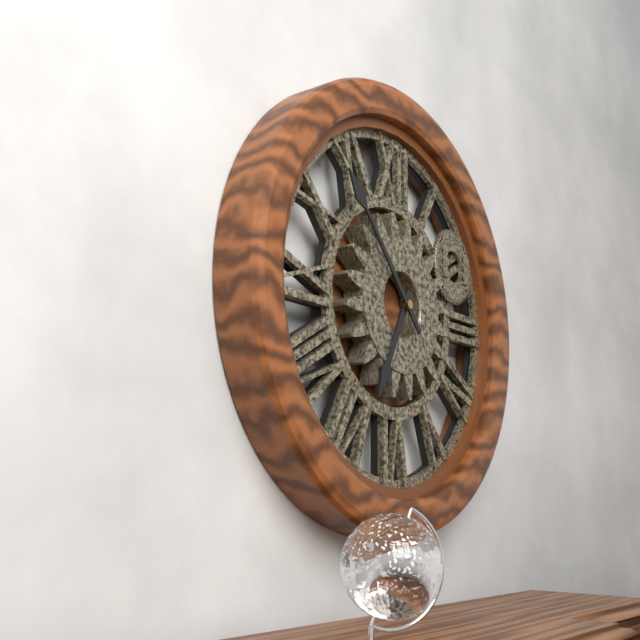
6:53
